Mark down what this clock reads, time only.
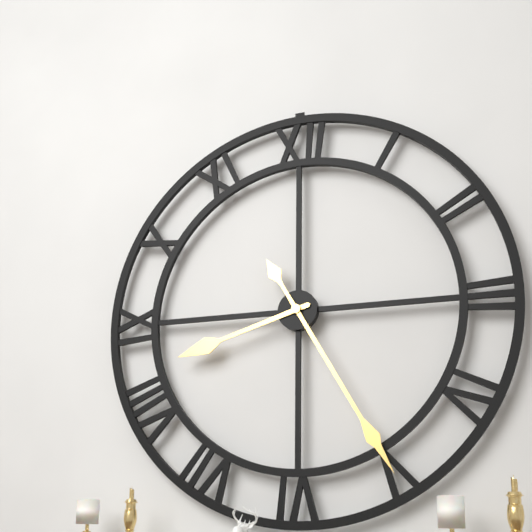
8:25
